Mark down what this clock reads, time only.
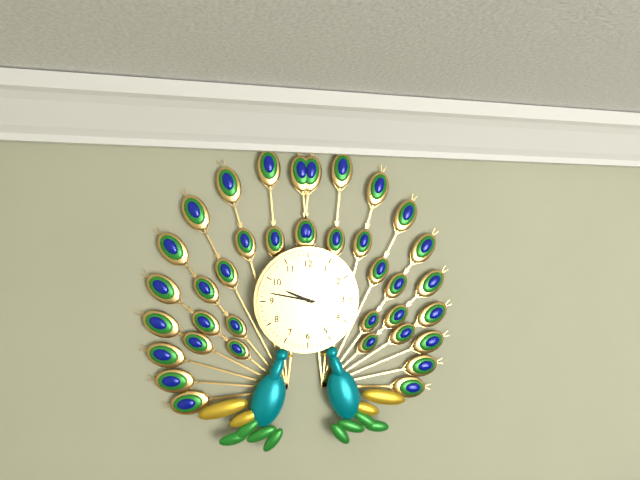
9:47
